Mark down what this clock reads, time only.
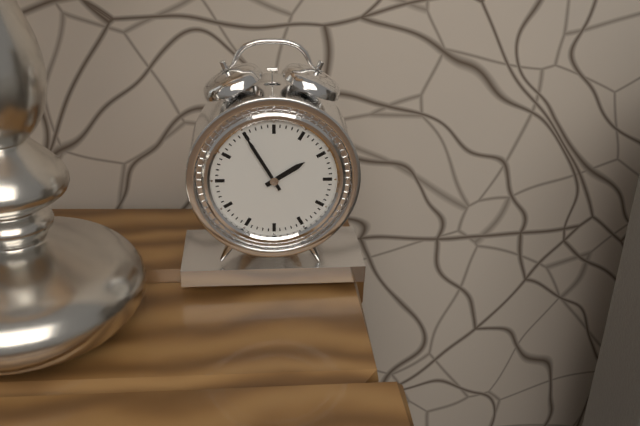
1:55
